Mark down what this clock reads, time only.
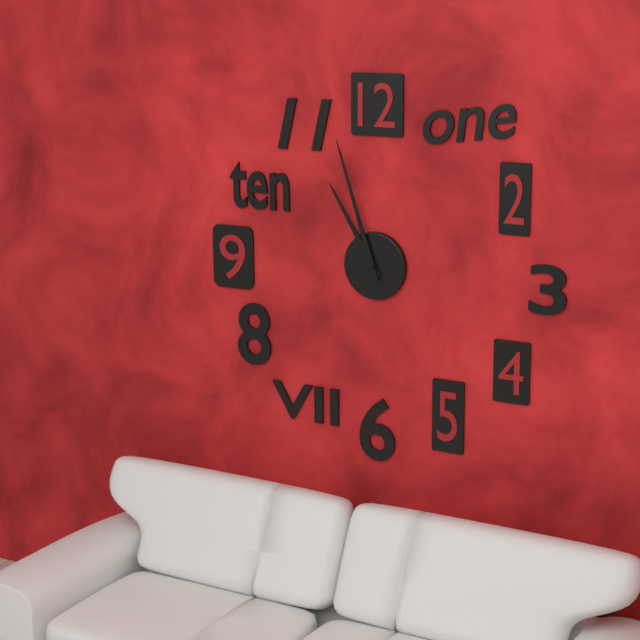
10:57
